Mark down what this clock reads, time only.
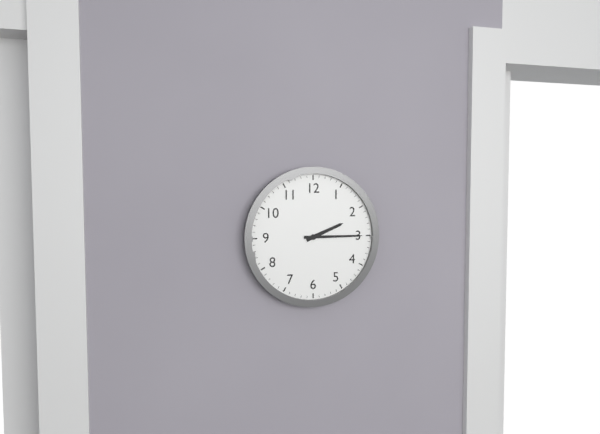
2:15
